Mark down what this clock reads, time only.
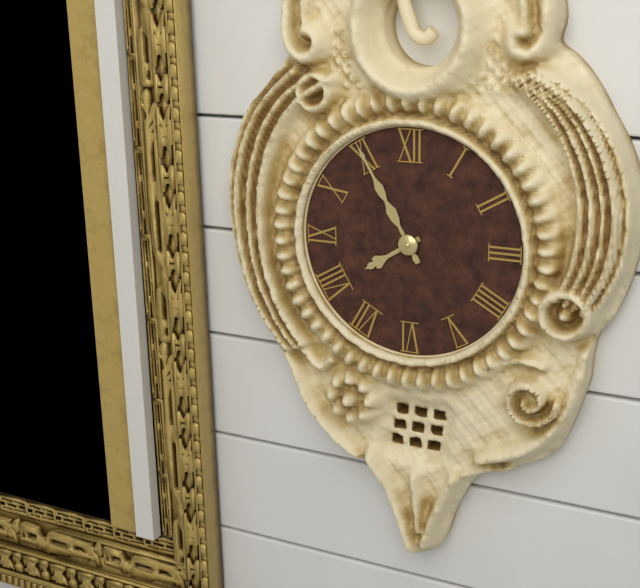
7:55
